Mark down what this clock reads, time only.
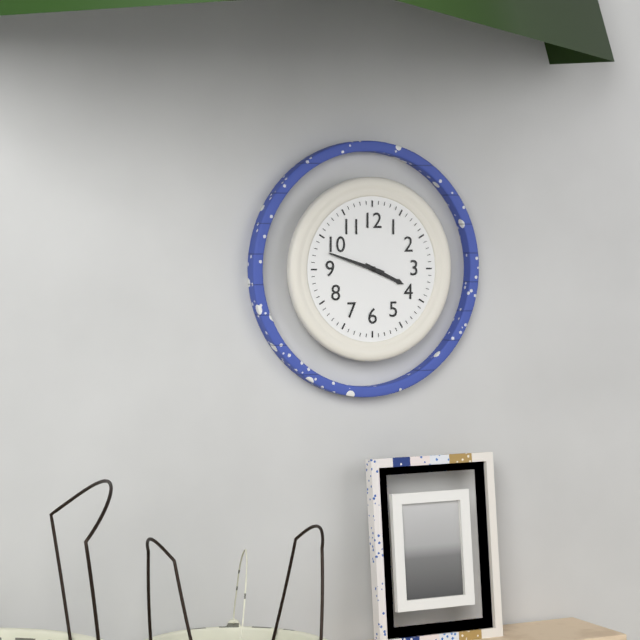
3:48
